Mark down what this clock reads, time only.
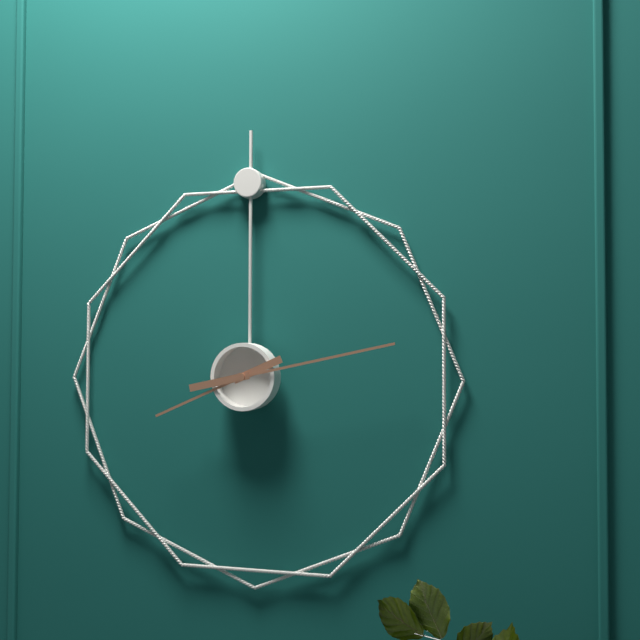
8:13
